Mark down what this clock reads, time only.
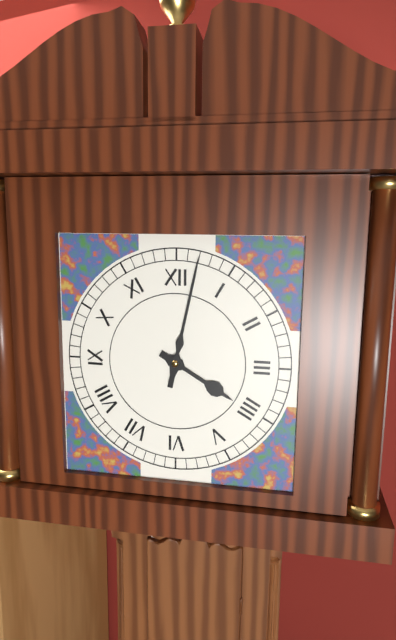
4:02
